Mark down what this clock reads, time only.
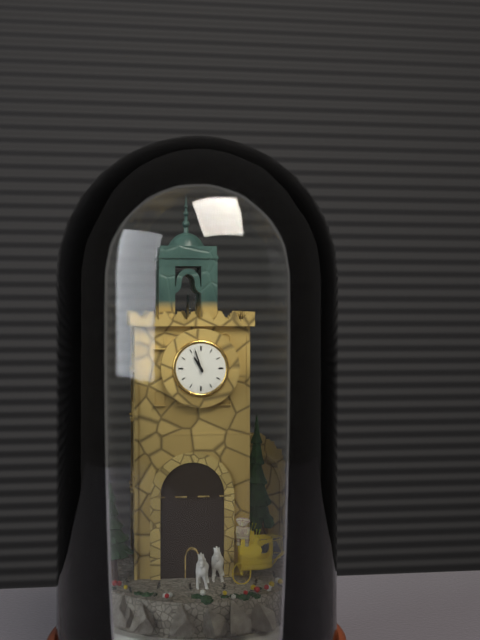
10:57
